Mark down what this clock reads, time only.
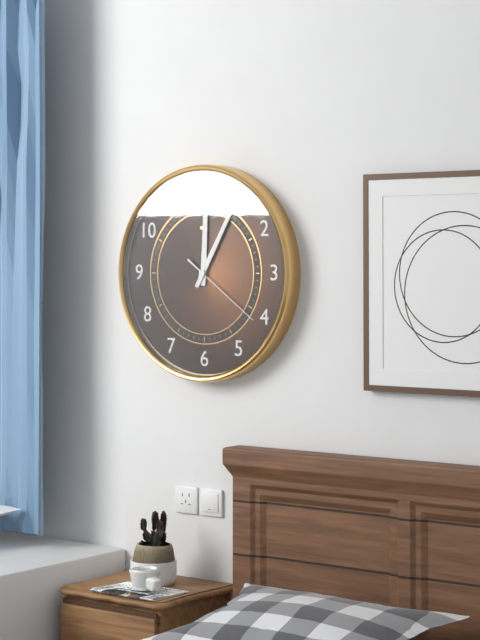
12:05:21
